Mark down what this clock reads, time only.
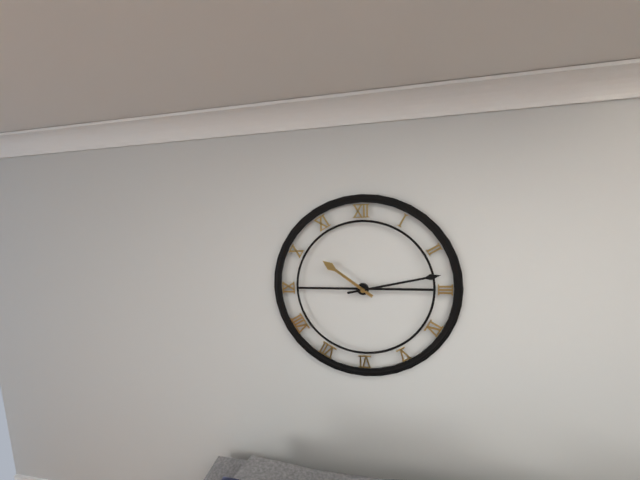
10:13
